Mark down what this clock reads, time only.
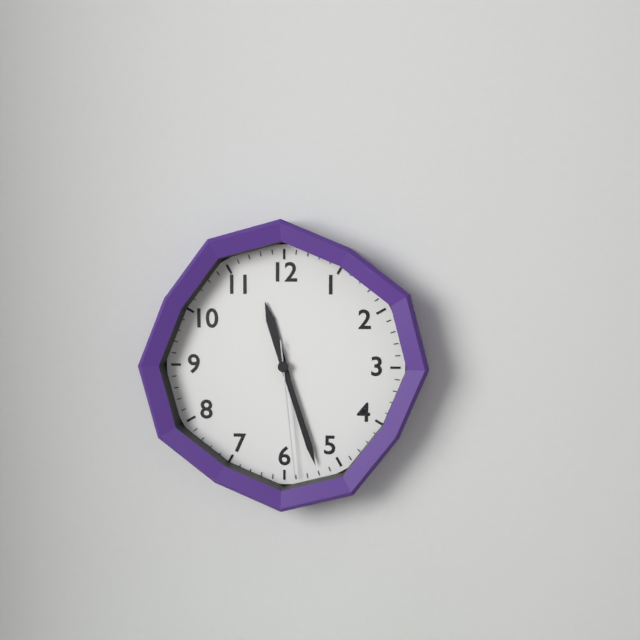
11:27:29
